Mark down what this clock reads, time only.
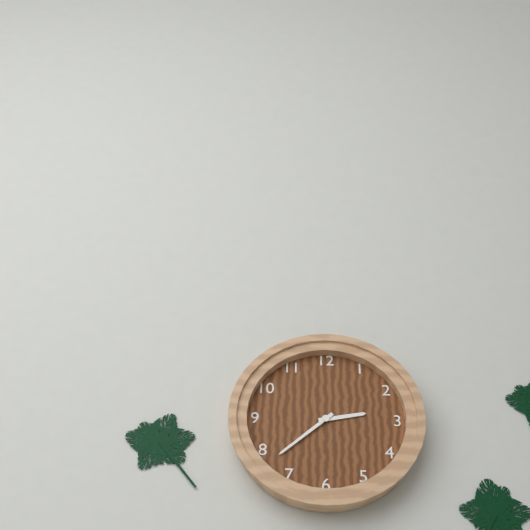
2:38
